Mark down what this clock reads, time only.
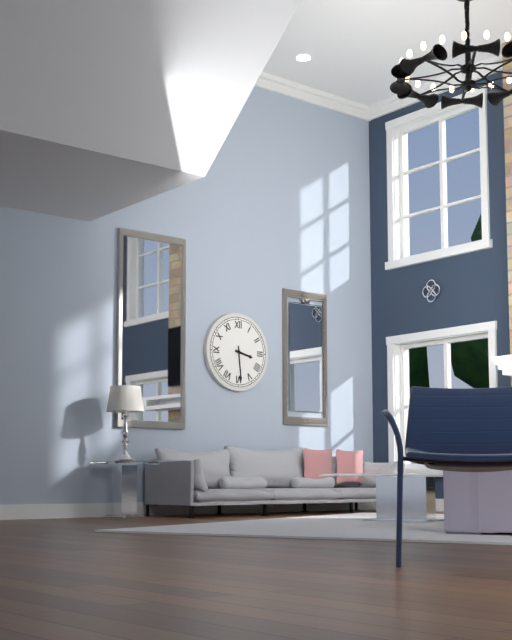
3:29
